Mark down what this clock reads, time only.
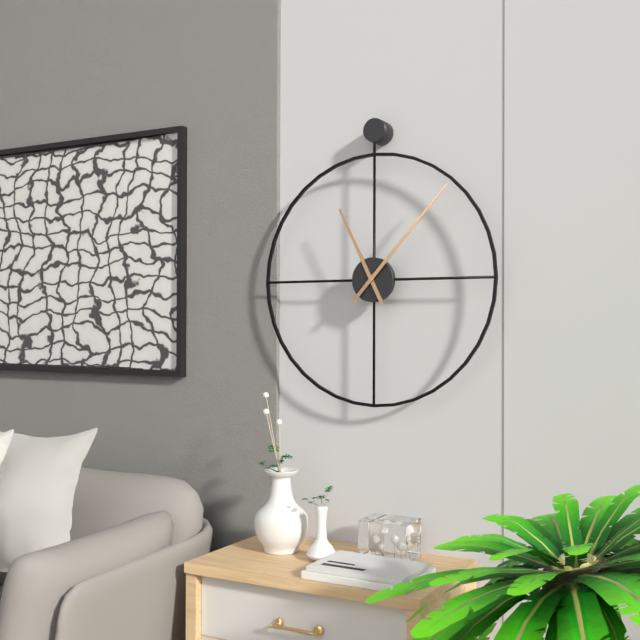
11:07
